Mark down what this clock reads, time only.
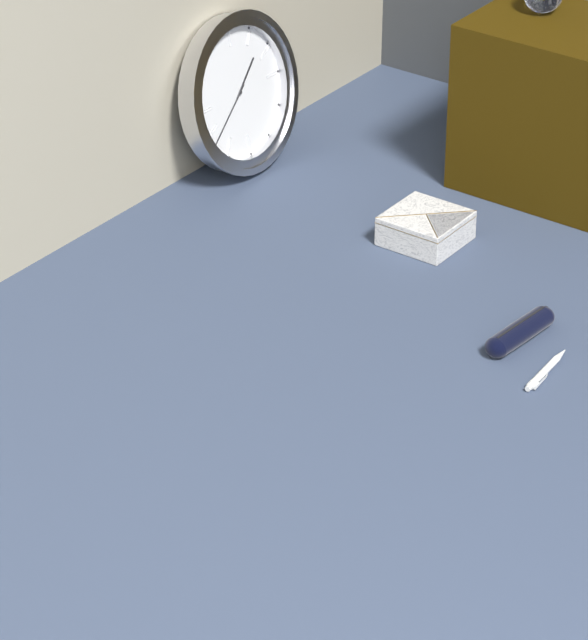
1:39
